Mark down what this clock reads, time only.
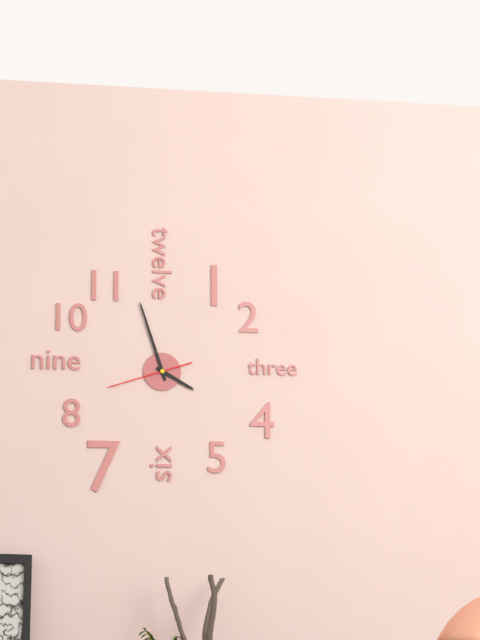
3:57:42
